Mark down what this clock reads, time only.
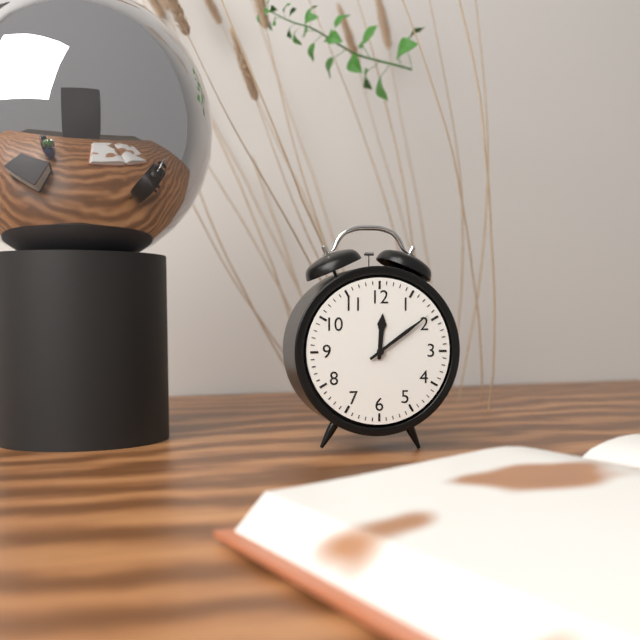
12:09
